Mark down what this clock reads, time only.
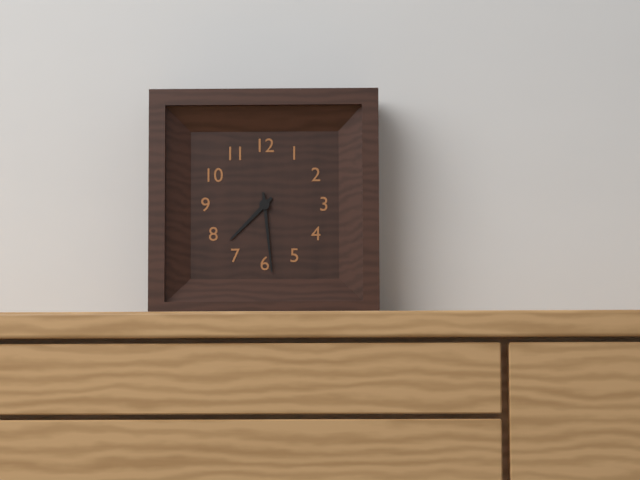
7:29
